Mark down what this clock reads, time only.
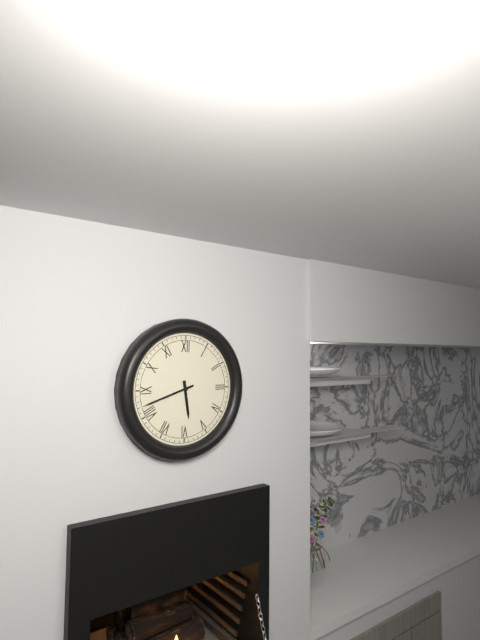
5:42
